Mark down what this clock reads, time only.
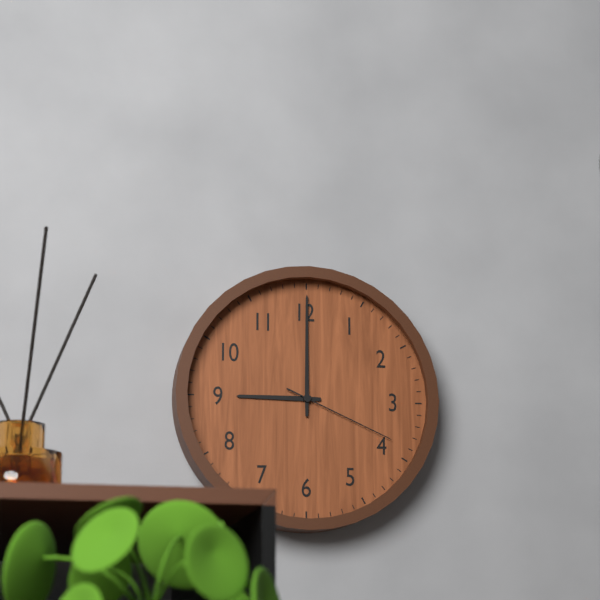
9:00:19
